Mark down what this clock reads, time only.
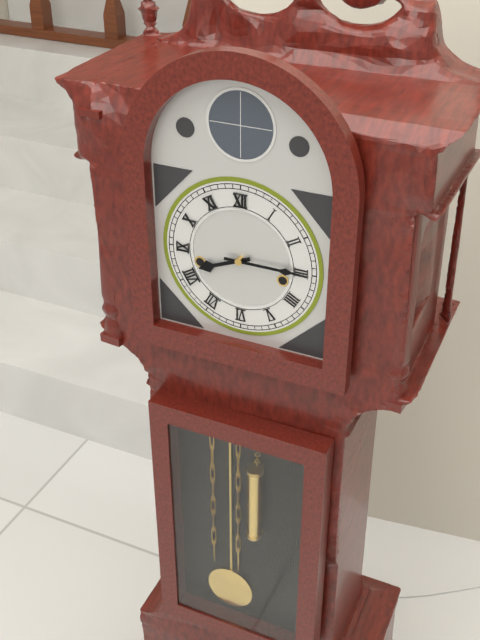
8:15
